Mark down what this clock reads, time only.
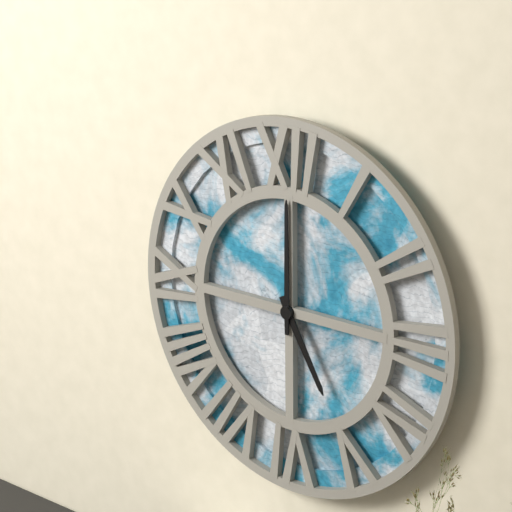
5:00
